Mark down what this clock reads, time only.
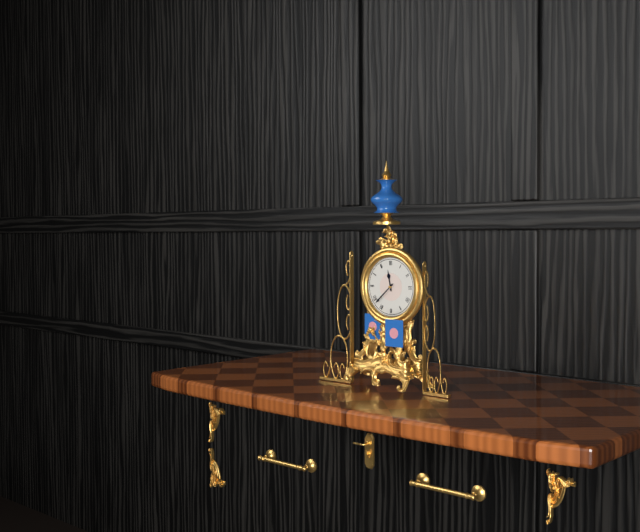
11:38
